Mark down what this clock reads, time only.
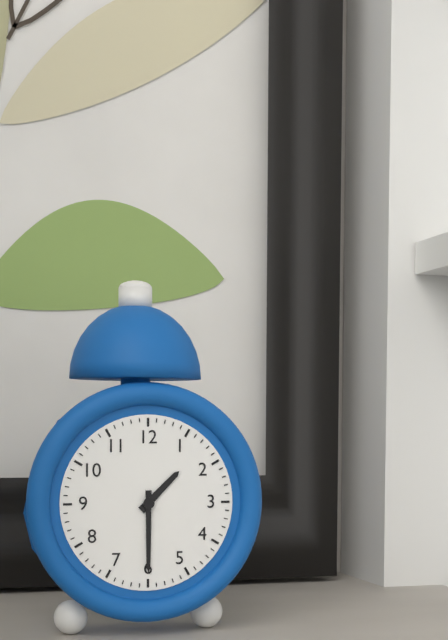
1:30
